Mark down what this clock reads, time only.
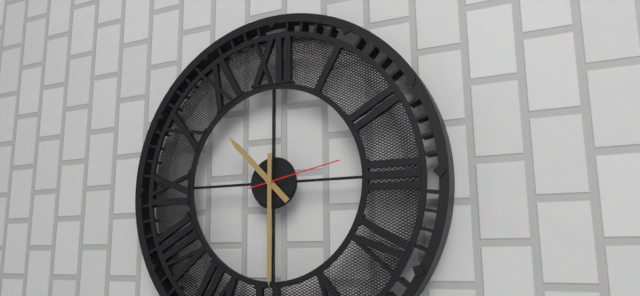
10:30:13
